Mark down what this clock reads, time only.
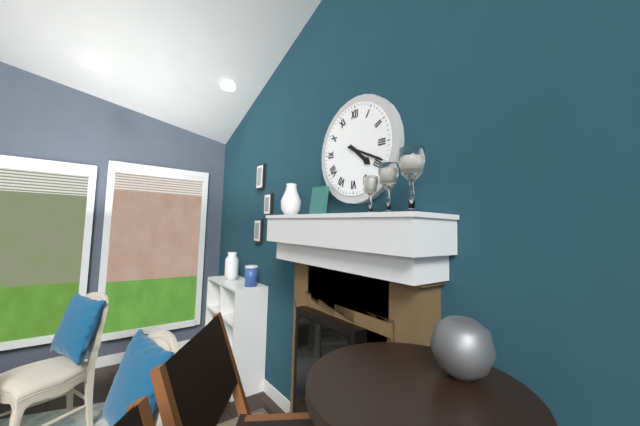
4:19
